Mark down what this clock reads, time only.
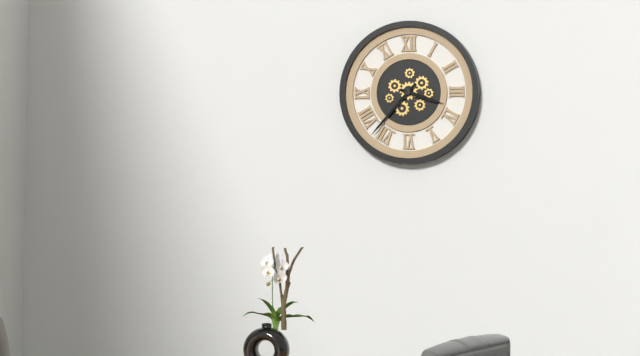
3:37
